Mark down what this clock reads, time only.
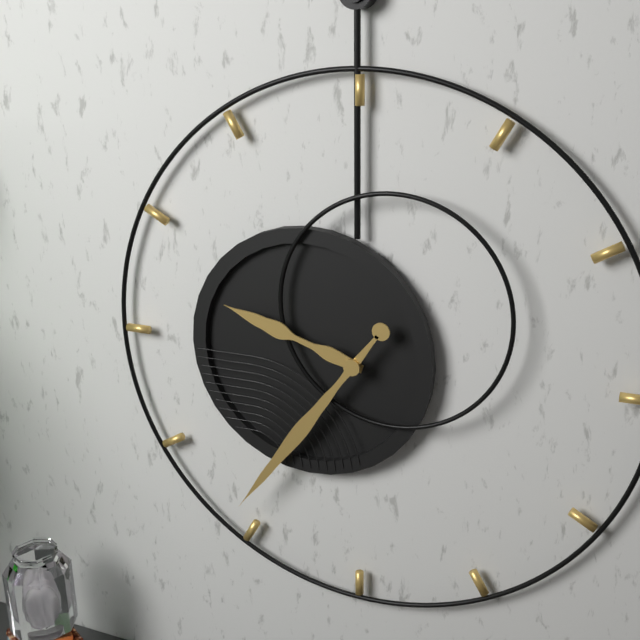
9:36
